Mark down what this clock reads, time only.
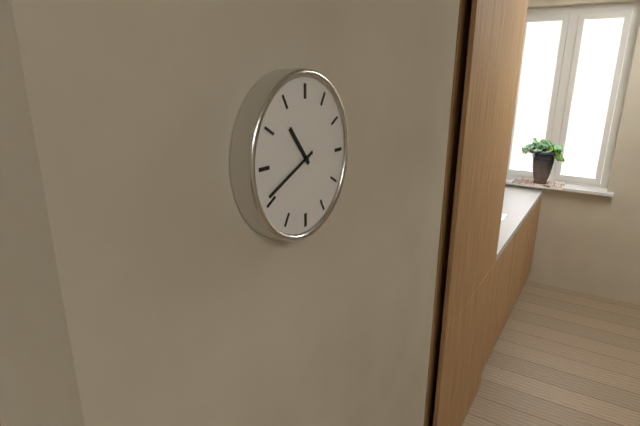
10:41
